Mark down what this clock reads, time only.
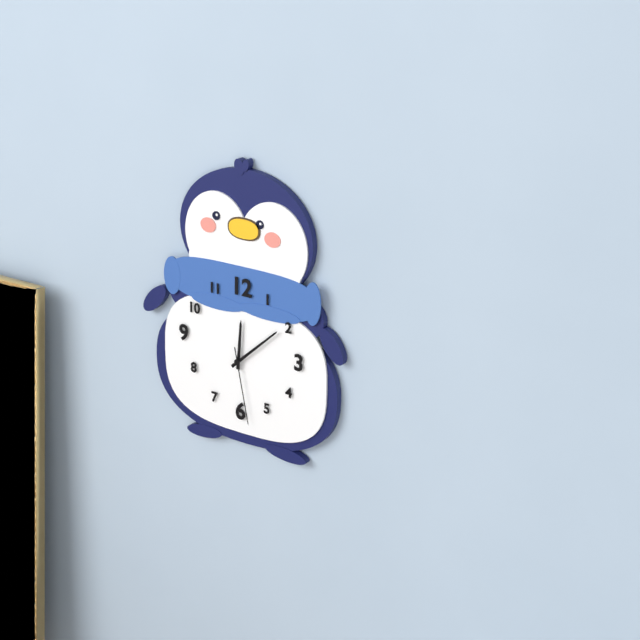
12:08:28
